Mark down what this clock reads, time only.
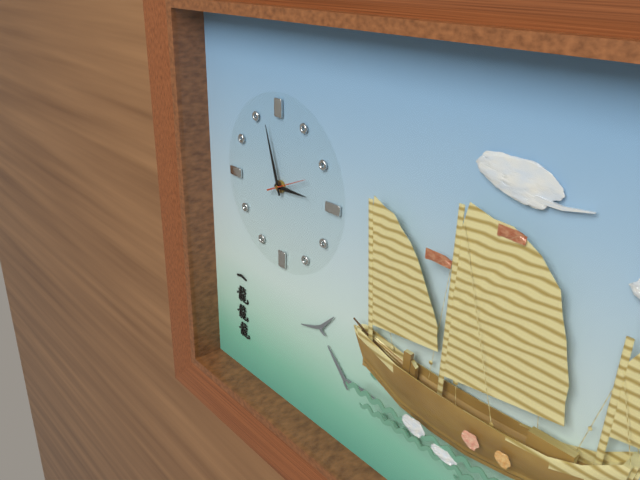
2:57
